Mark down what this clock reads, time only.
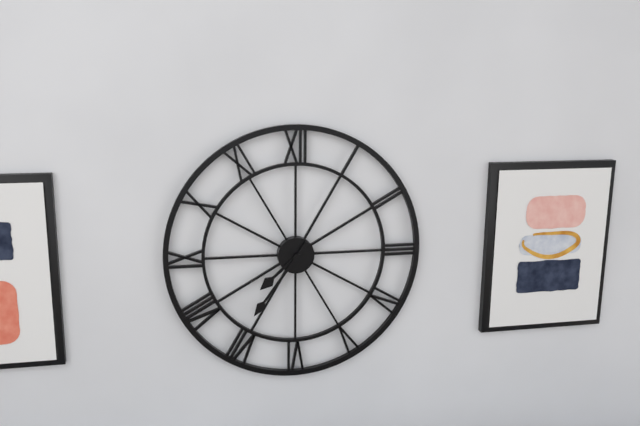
7:36
